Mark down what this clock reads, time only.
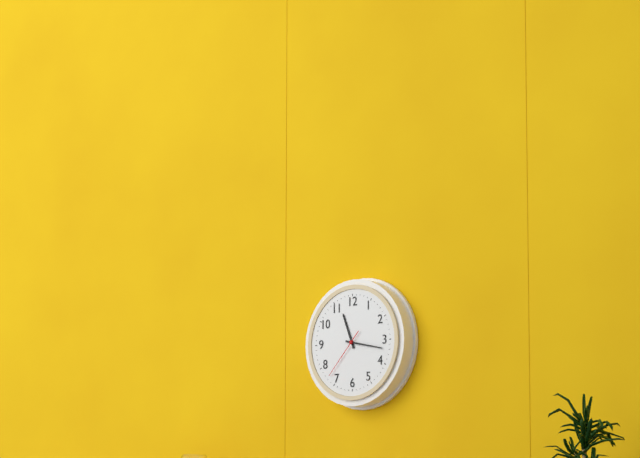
11:17:37
